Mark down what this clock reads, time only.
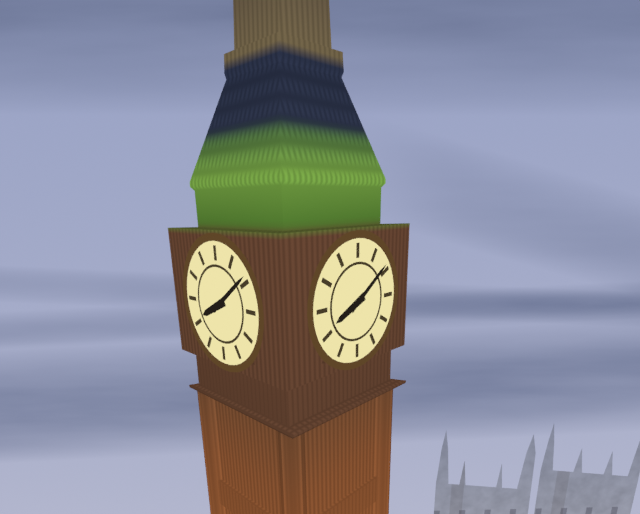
8:09
